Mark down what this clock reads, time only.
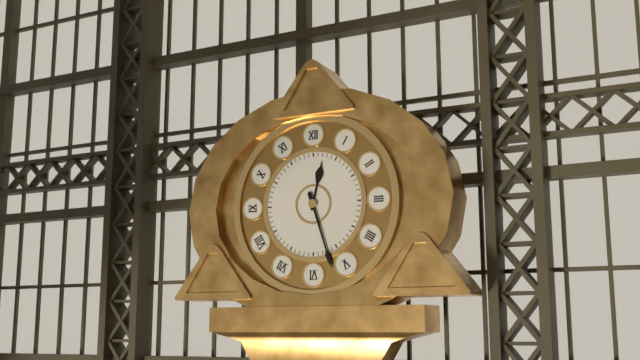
12:27
